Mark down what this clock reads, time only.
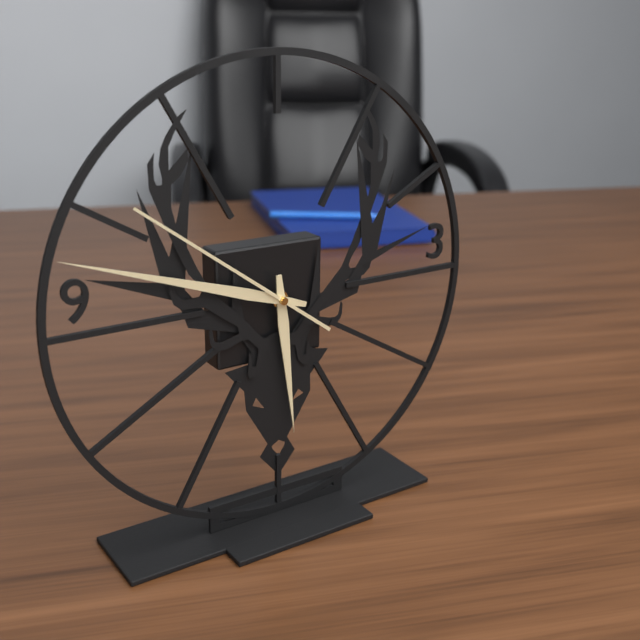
5:48:51
